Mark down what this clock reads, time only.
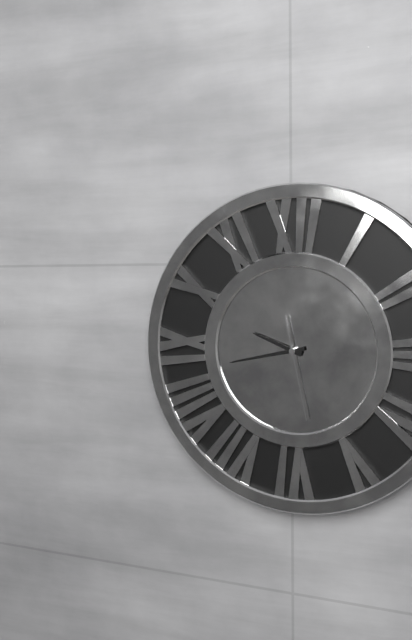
9:43:28
